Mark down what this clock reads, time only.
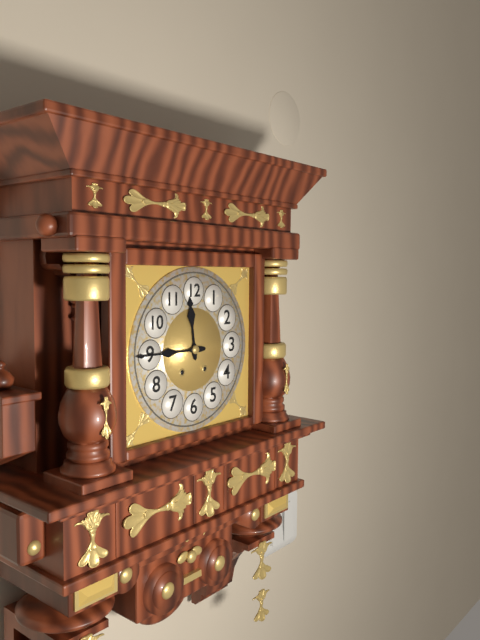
11:45
